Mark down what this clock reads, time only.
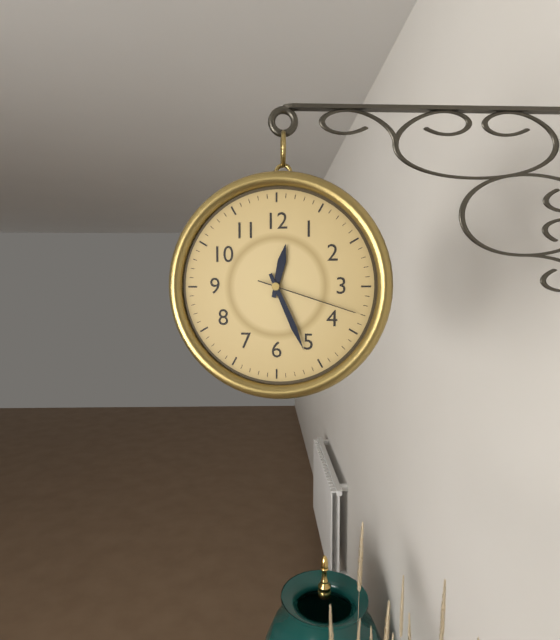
12:26:18
